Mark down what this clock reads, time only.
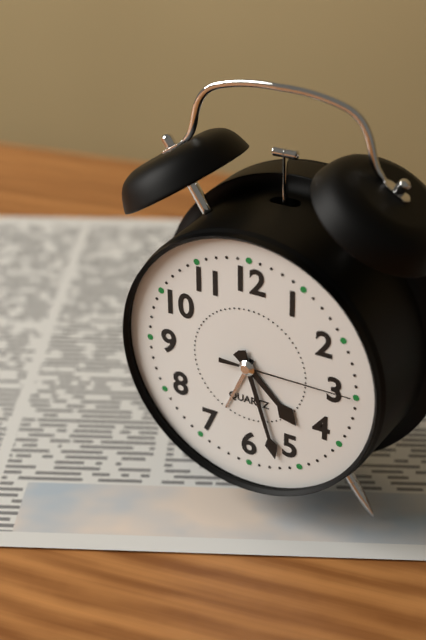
4:27:15
